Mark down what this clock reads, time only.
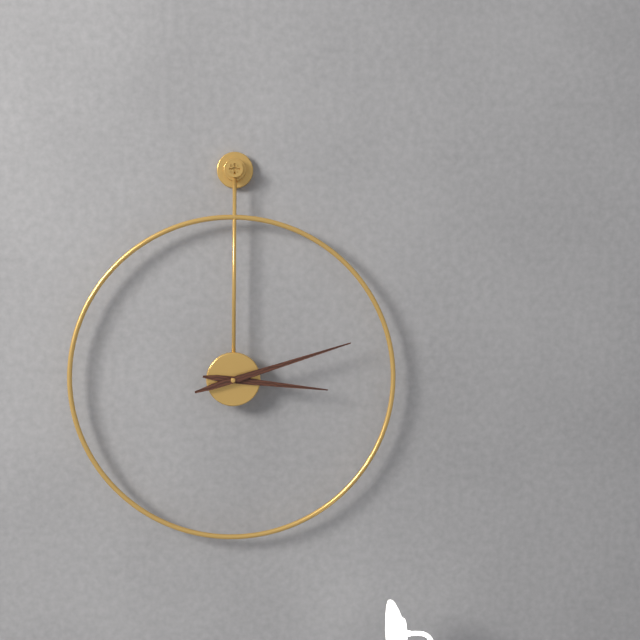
3:12
